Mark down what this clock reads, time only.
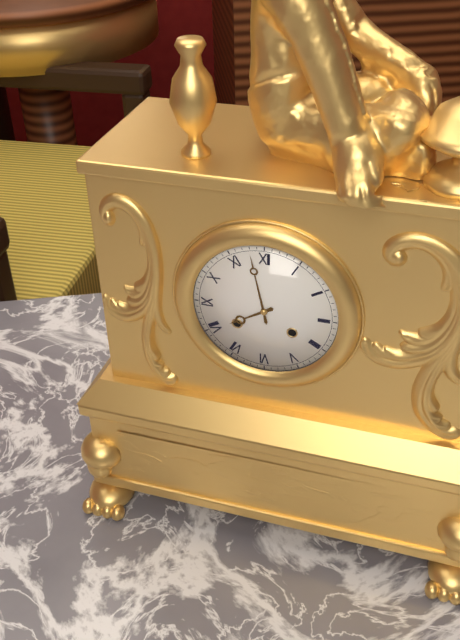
7:58
